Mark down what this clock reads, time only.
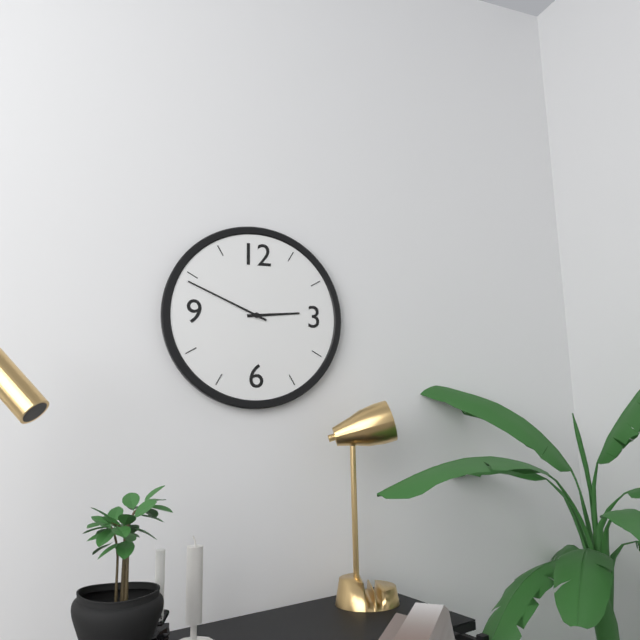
2:49
